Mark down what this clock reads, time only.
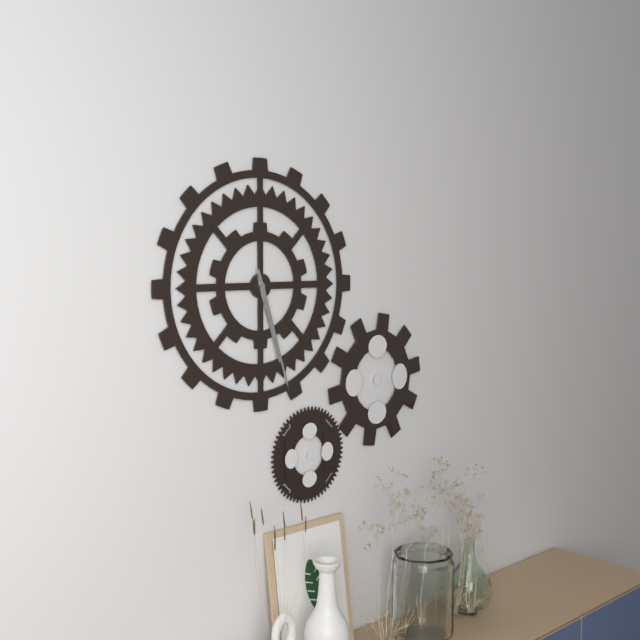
5:27
